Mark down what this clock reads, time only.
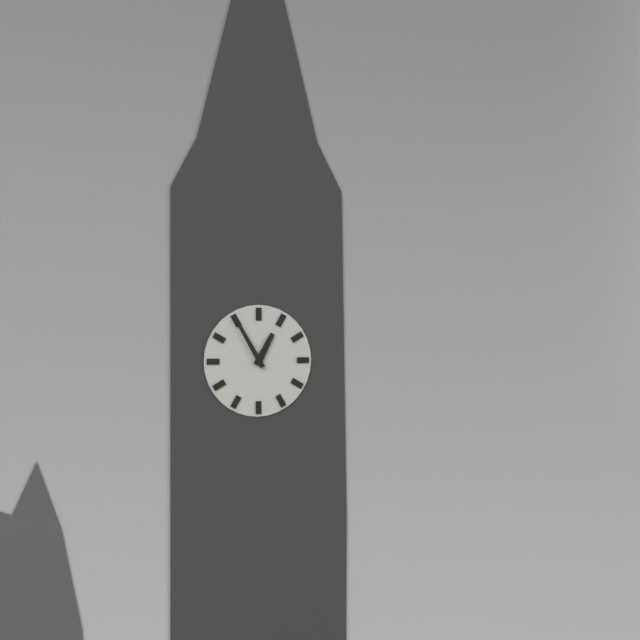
12:55
